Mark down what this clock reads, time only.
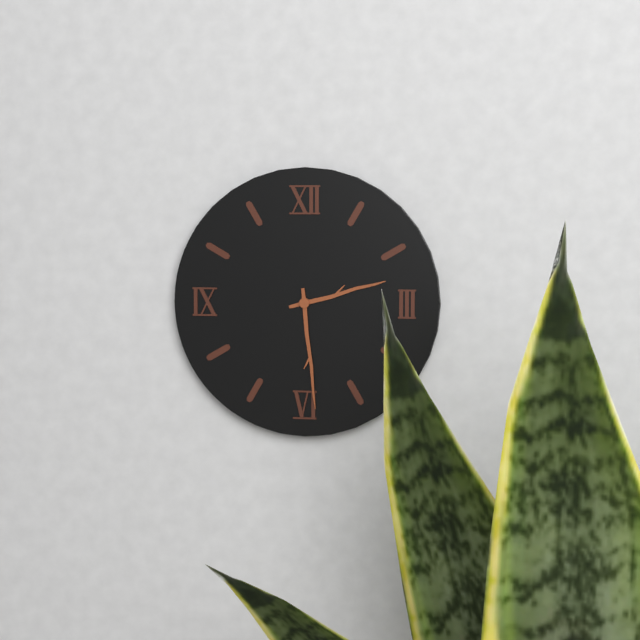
2:29
